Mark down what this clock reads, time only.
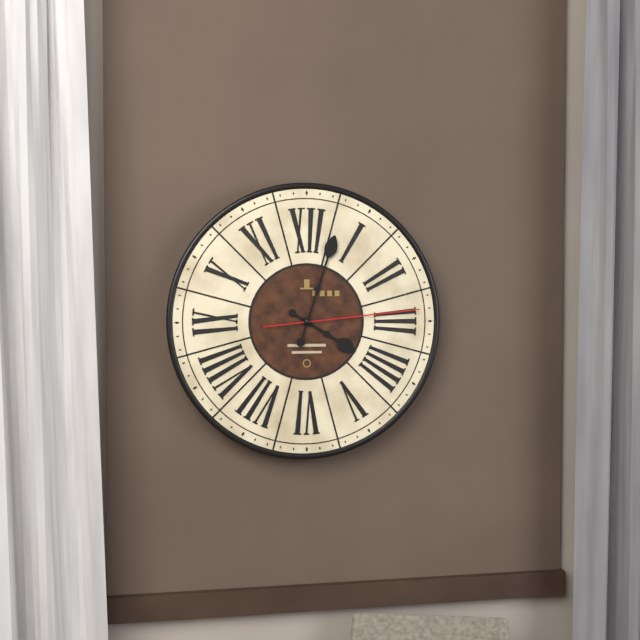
4:03:14
